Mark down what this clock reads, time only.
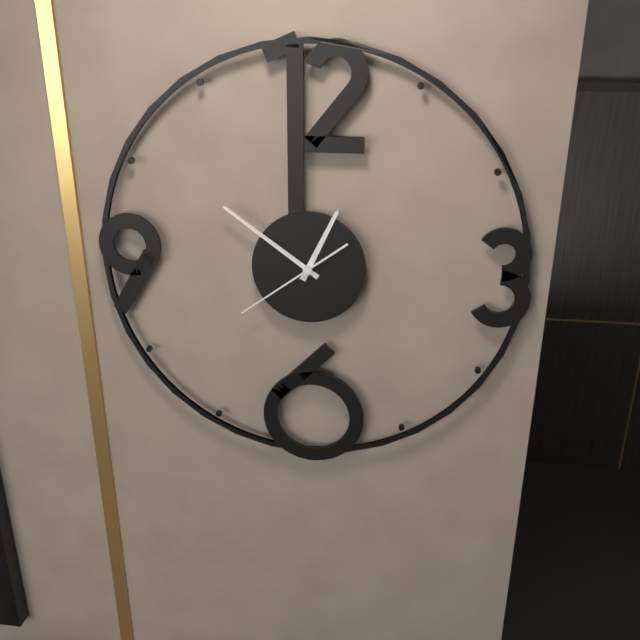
12:51:39
